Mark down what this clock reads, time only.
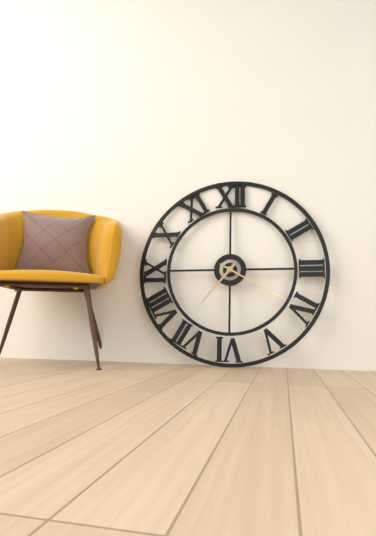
7:20
